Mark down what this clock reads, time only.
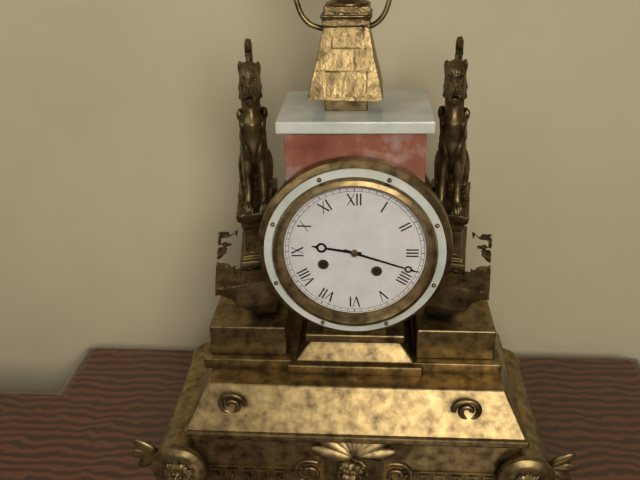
9:18
